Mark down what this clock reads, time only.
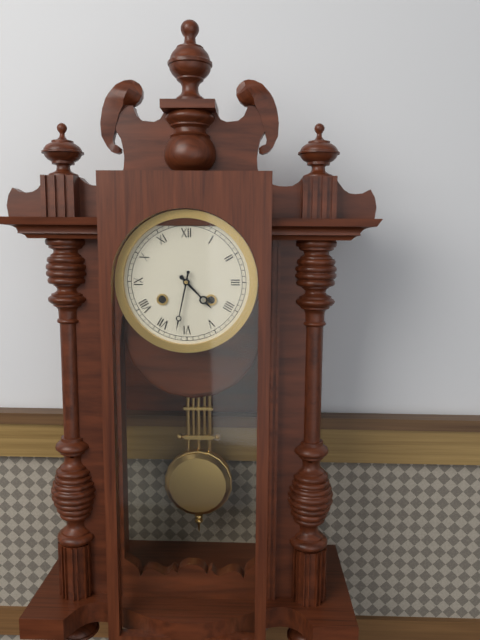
4:32
